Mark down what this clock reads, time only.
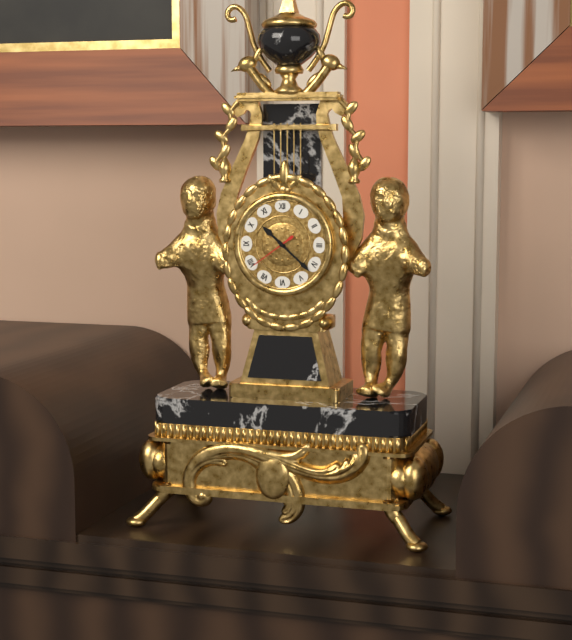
10:22
